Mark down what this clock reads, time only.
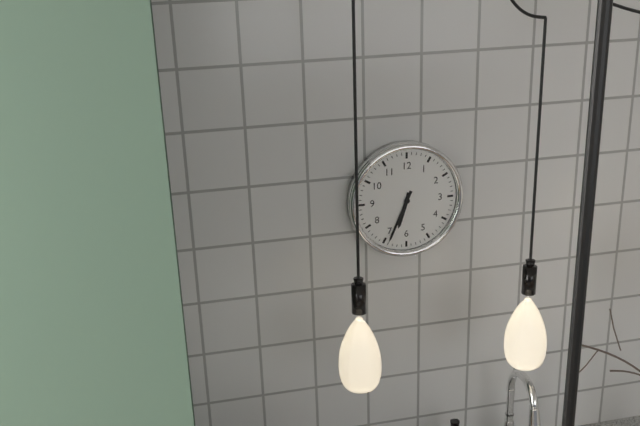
6:34
